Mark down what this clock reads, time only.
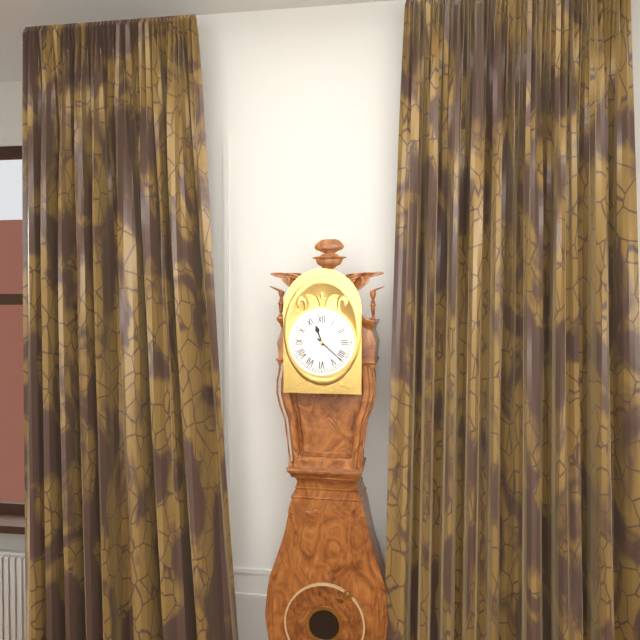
11:22
